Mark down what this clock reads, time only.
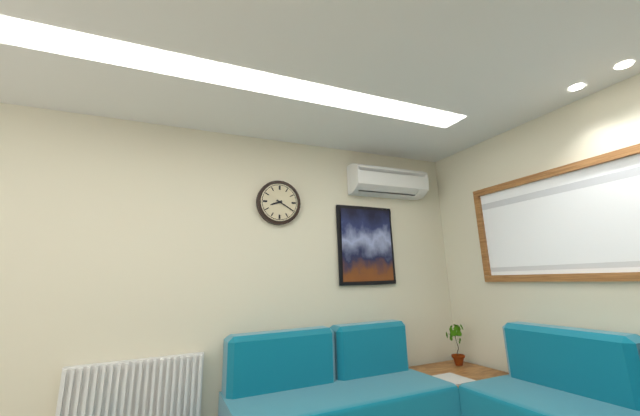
8:20
